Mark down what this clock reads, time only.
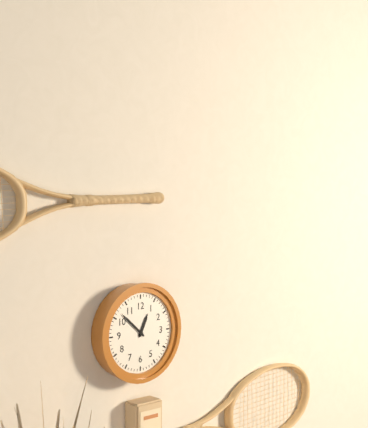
12:52
